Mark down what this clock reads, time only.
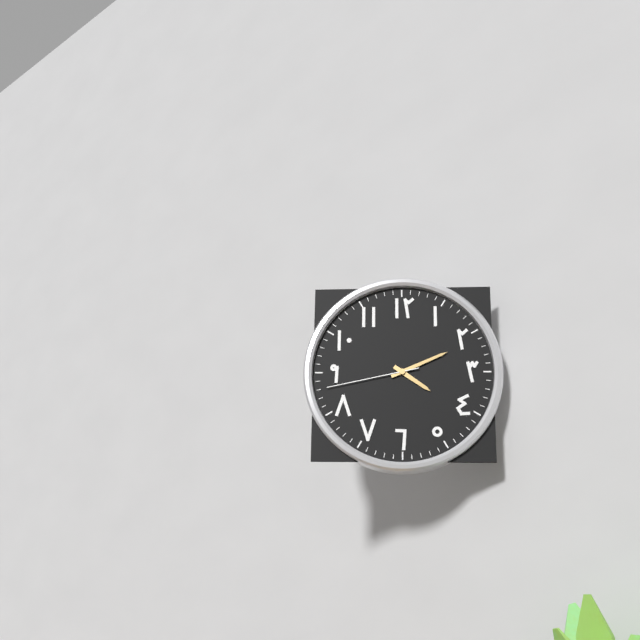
4:11:43
